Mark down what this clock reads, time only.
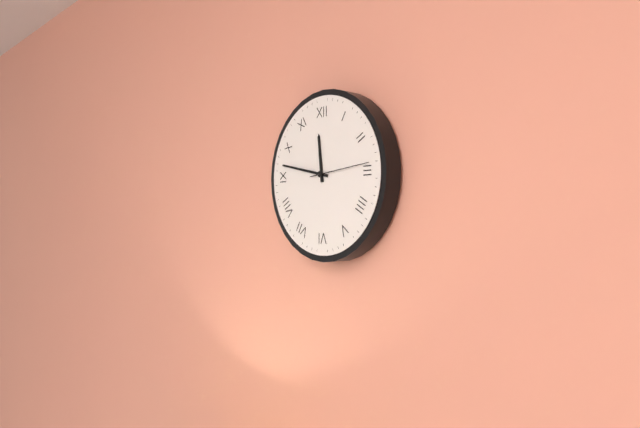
11:47:14
